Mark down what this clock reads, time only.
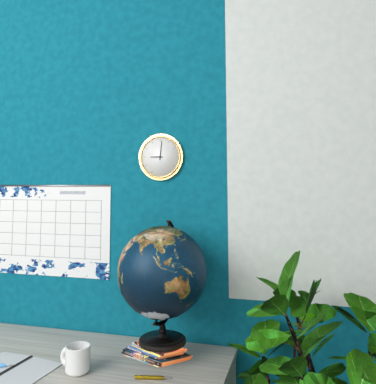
9:01
